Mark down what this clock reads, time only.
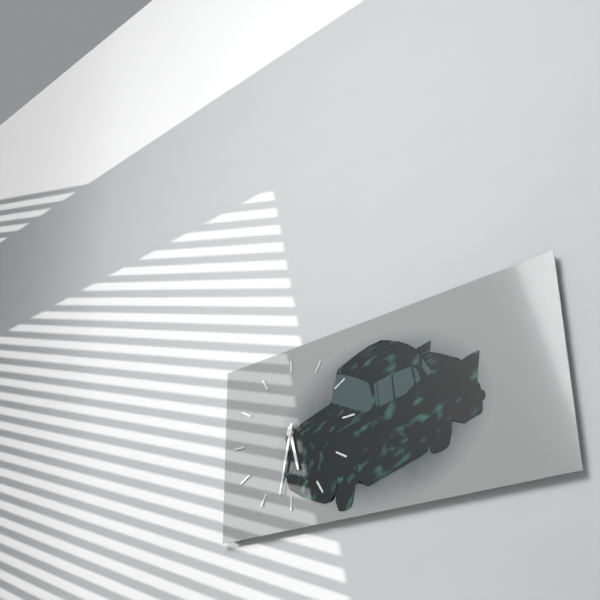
5:32
